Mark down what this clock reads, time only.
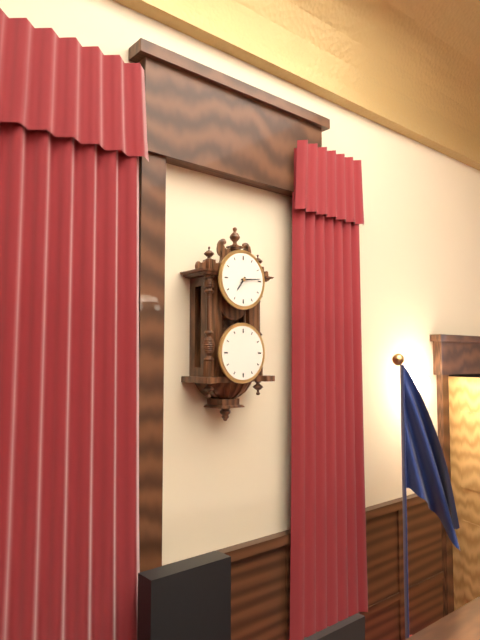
7:14
